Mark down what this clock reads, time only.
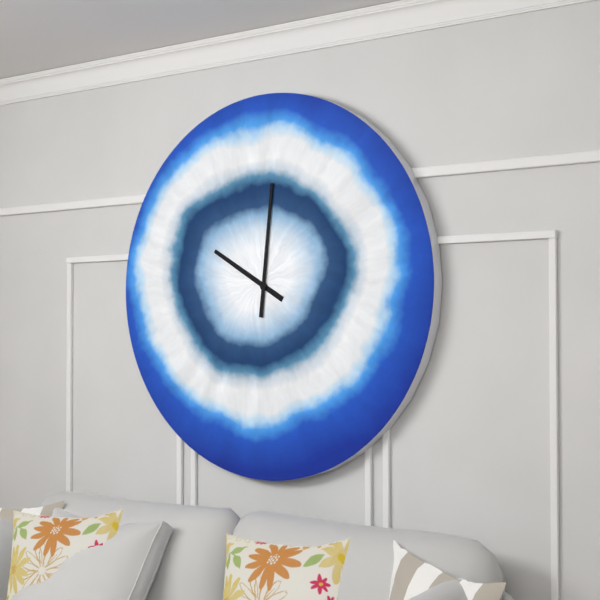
10:01
